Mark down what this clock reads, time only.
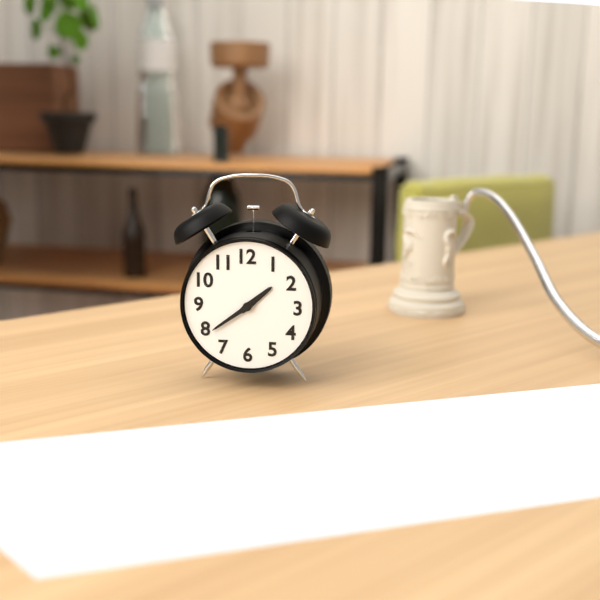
1:39
